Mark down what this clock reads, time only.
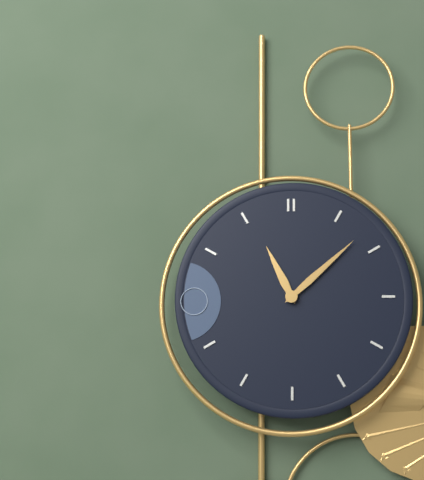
11:08
